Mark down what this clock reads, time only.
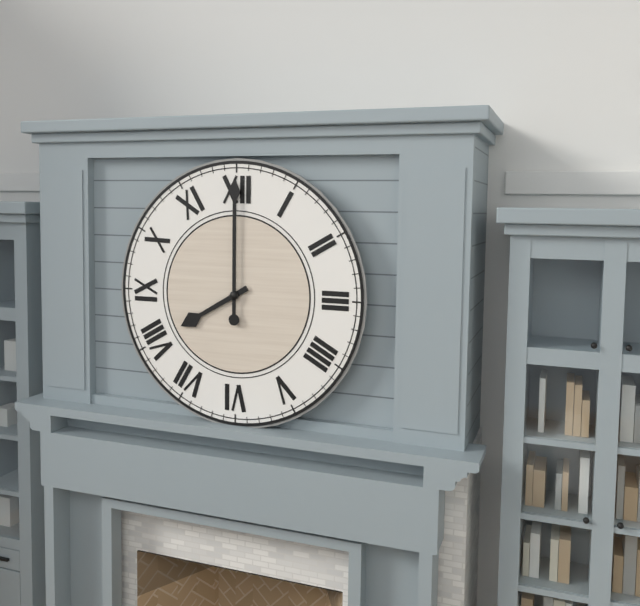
8:00
